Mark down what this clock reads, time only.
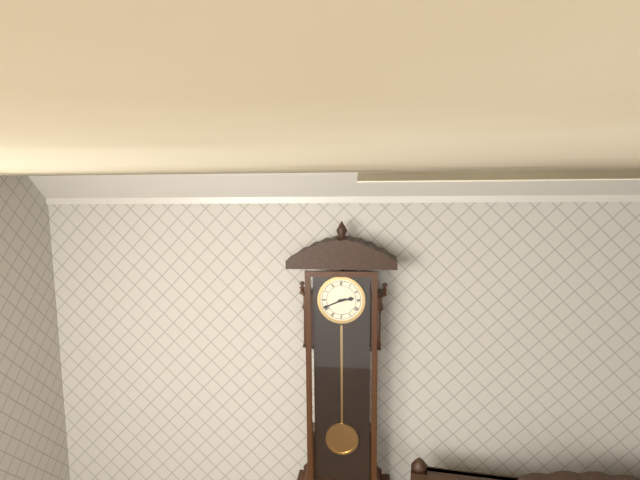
2:41
